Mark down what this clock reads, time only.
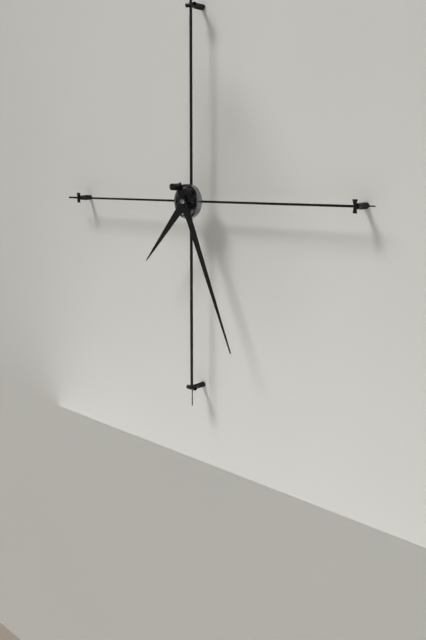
7:26
